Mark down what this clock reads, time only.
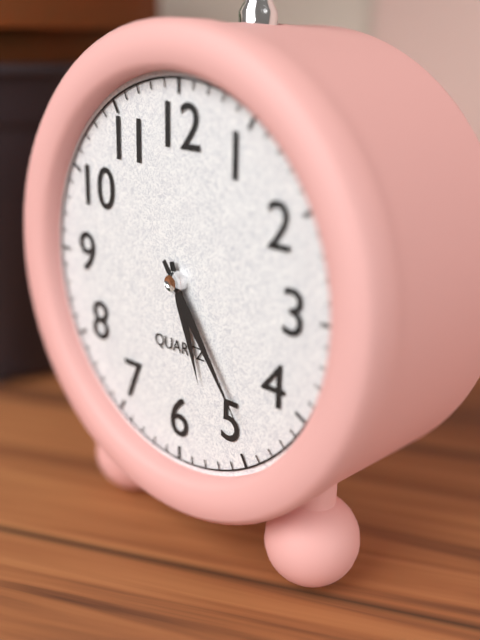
5:24
